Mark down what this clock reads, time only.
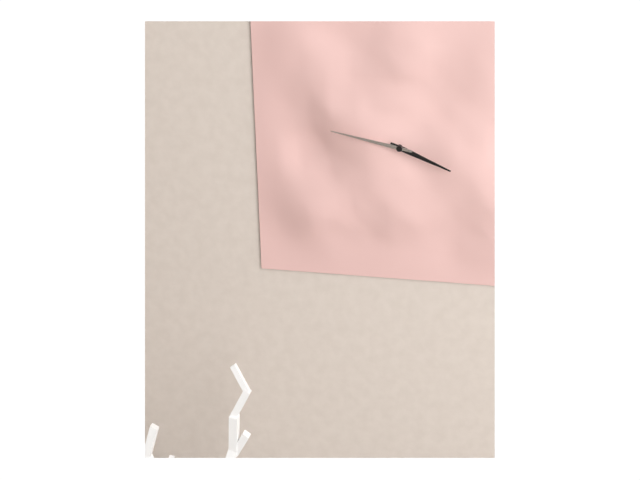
3:47
